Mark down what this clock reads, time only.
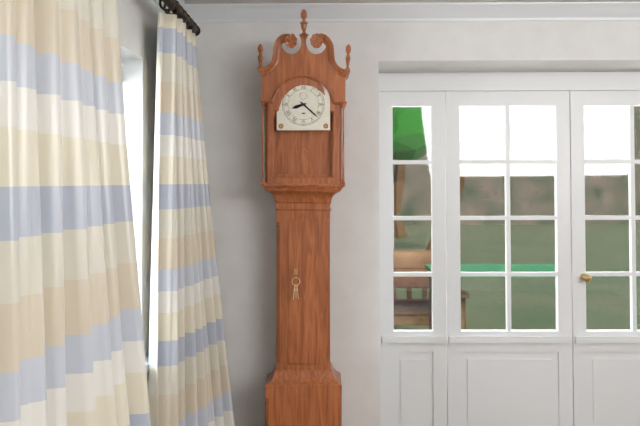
8:22
